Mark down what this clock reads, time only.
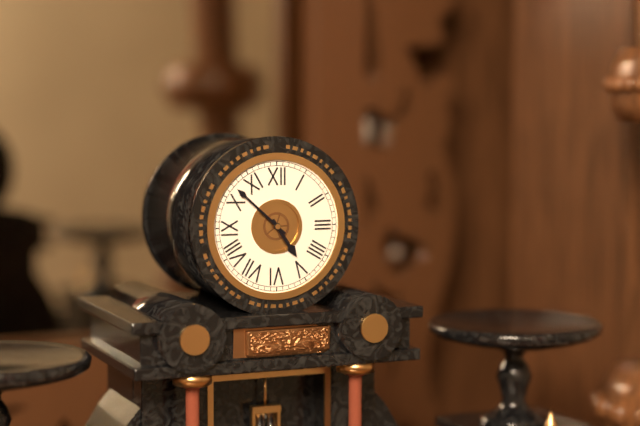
4:52
